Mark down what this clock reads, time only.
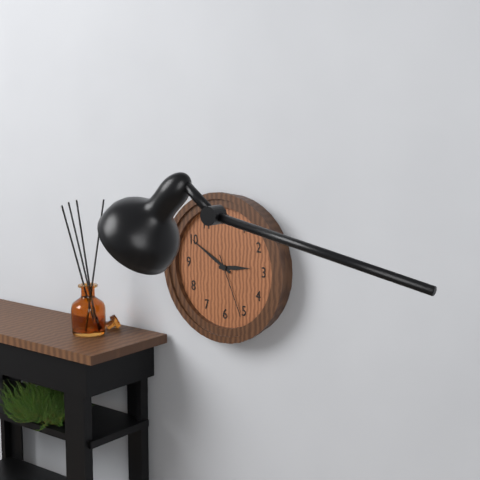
2:50:26
